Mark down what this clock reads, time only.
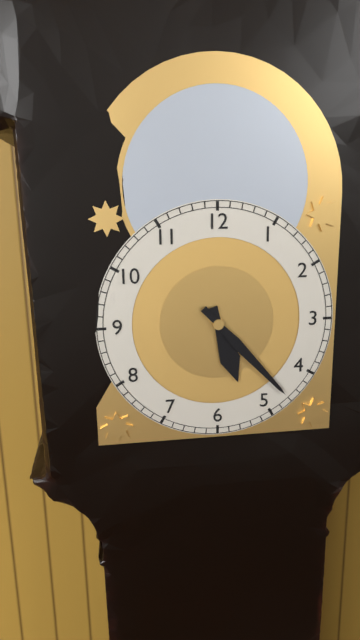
5:23
